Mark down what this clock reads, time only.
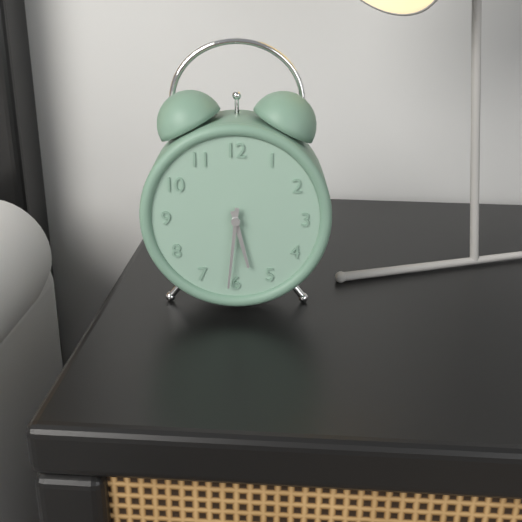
5:31
